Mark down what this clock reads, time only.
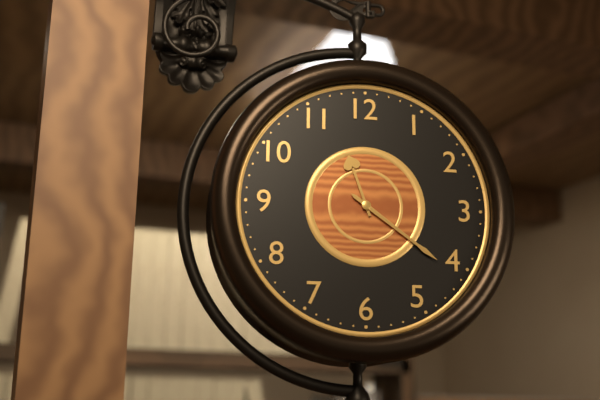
11:21
